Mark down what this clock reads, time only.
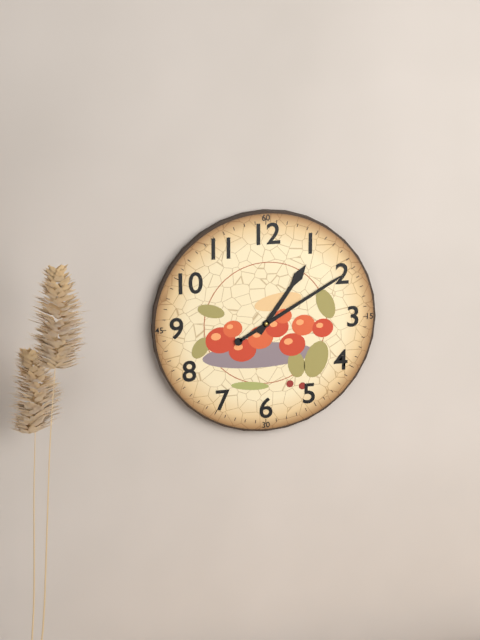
1:10
